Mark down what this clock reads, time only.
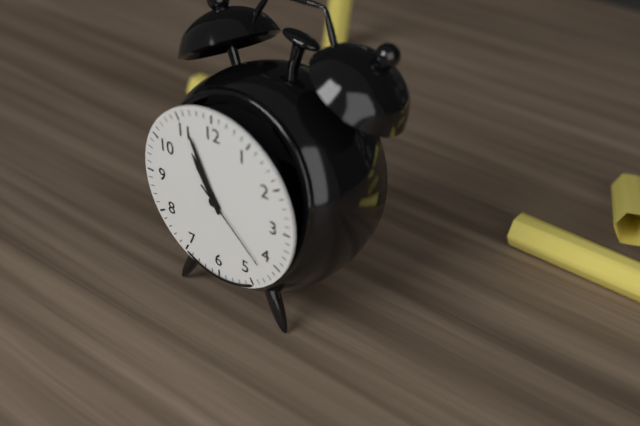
10:56:22
